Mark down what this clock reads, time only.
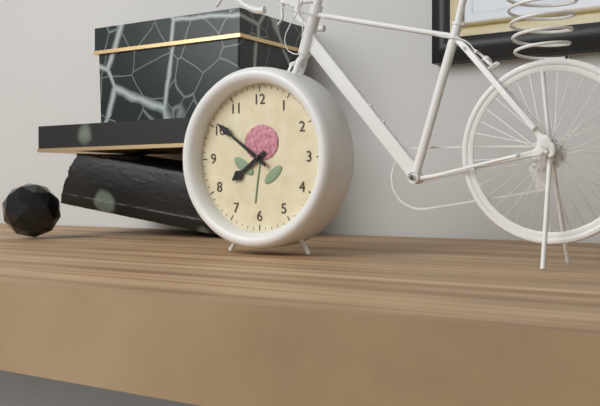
7:51
